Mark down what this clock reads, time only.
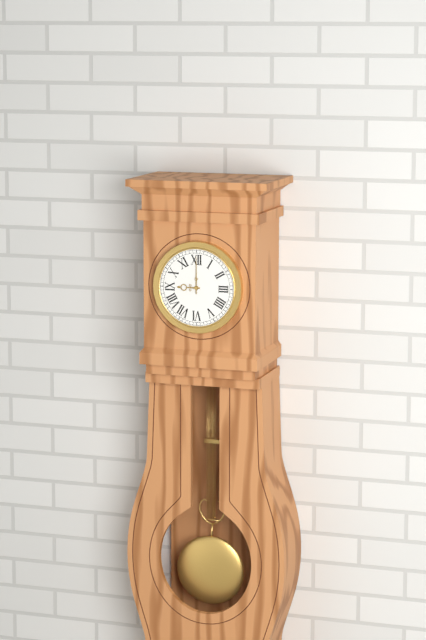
9:00
